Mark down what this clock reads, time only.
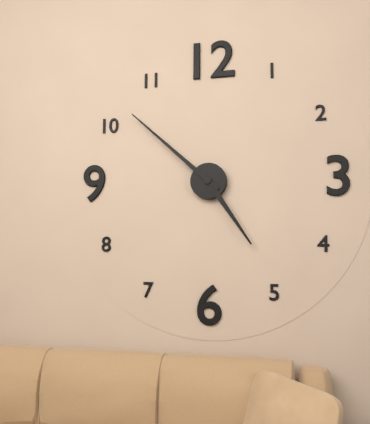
4:52
